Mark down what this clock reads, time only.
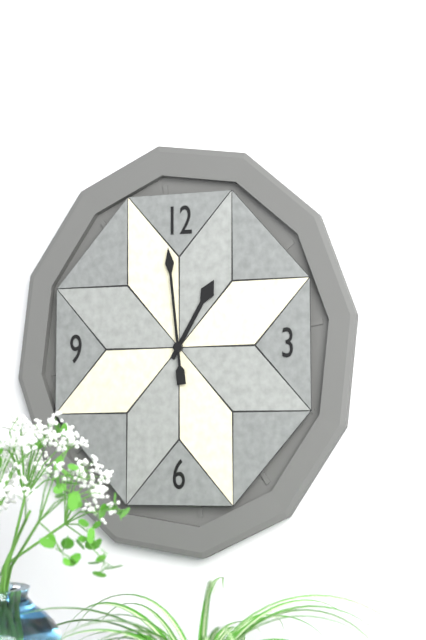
12:59
